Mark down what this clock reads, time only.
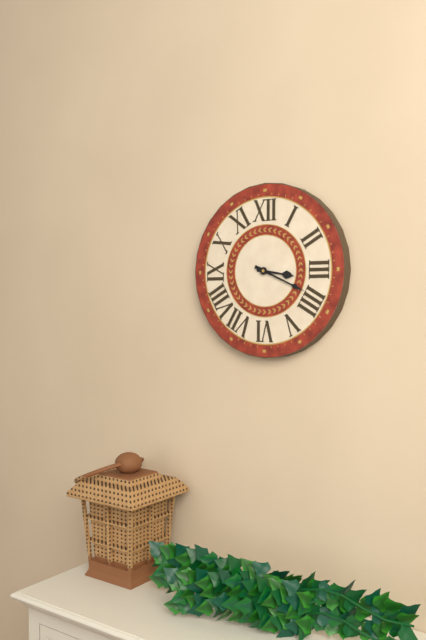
3:19
